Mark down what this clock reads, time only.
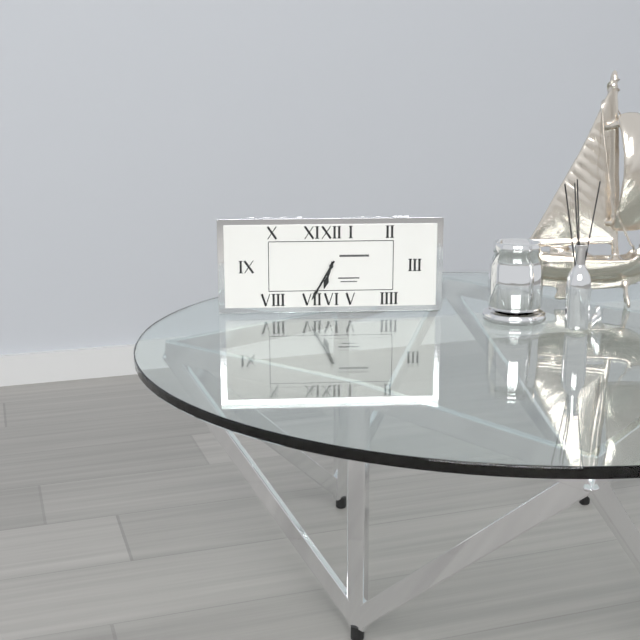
6:35
